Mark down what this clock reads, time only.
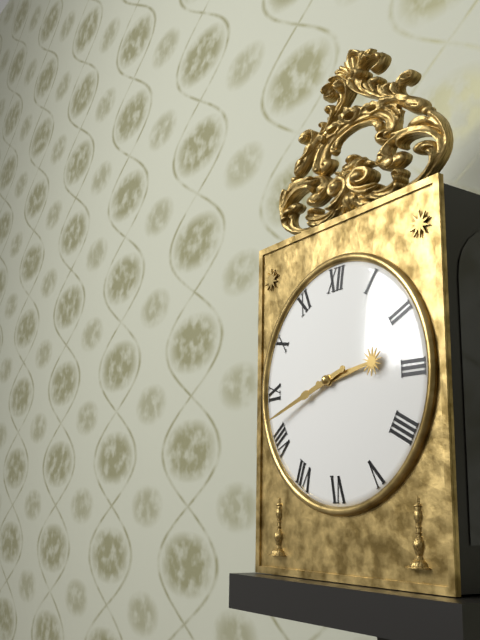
2:42
